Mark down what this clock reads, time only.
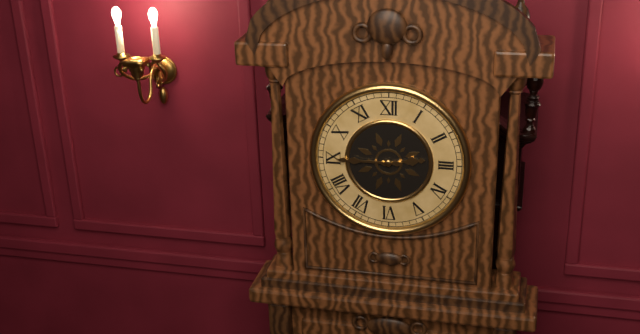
2:45
